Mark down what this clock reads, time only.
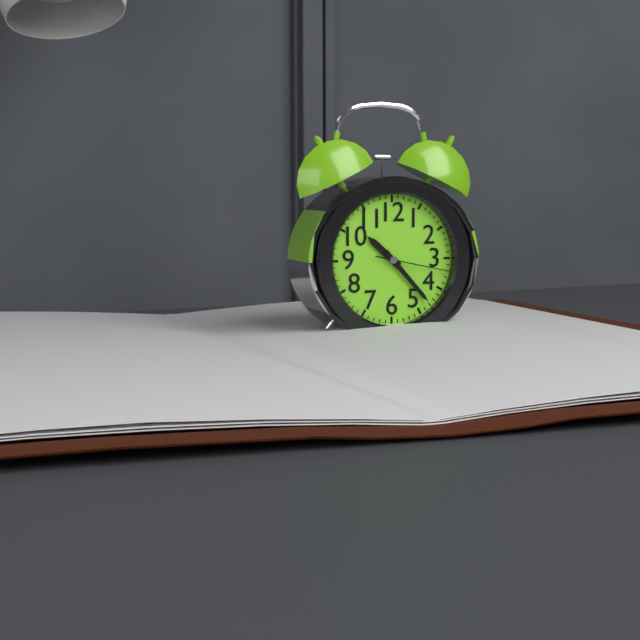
10:23:17
